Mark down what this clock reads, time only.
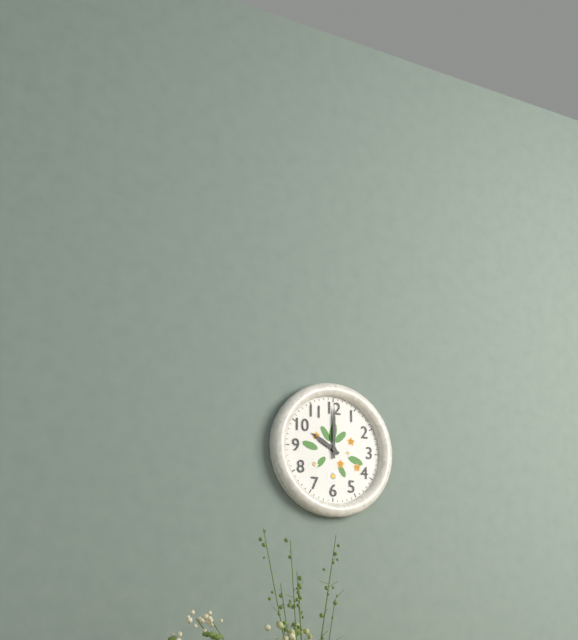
10:00
